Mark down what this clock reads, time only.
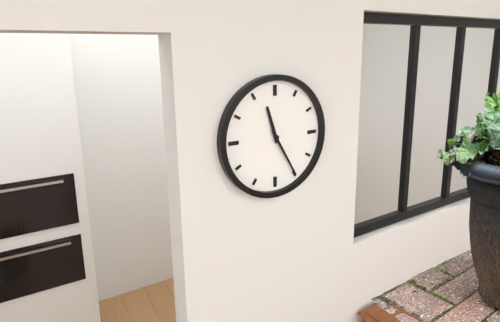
11:25
